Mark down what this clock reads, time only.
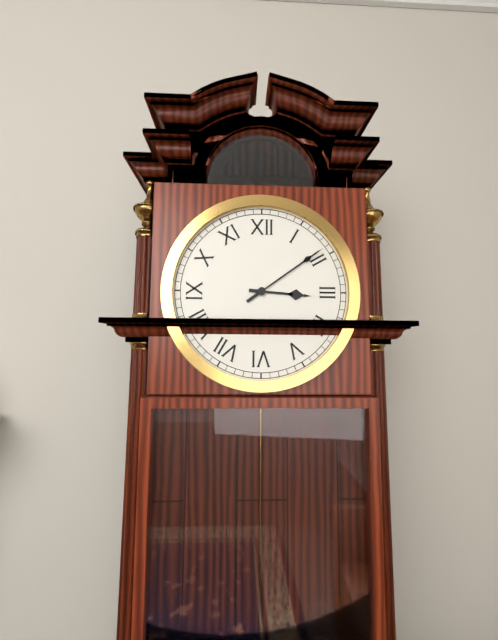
3:09
